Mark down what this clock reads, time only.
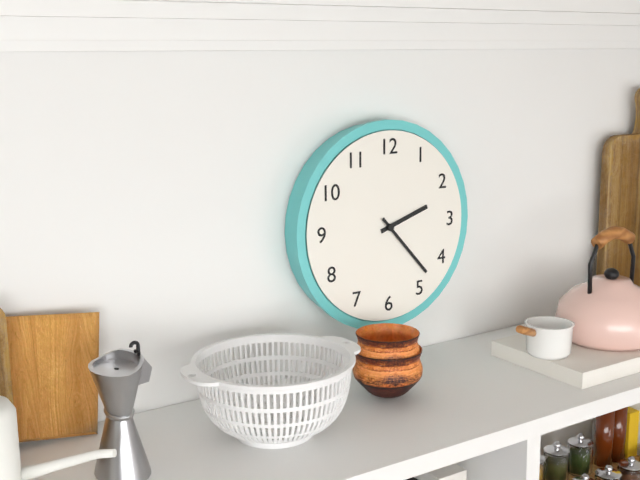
2:23
